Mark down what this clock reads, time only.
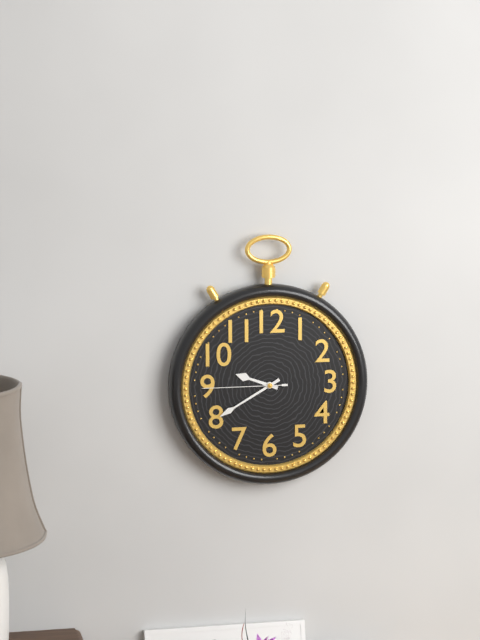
9:40:45
